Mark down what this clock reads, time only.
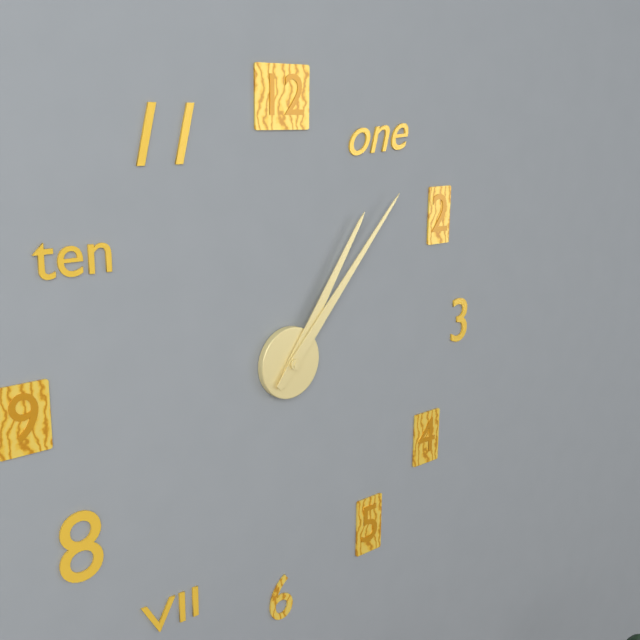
1:07
